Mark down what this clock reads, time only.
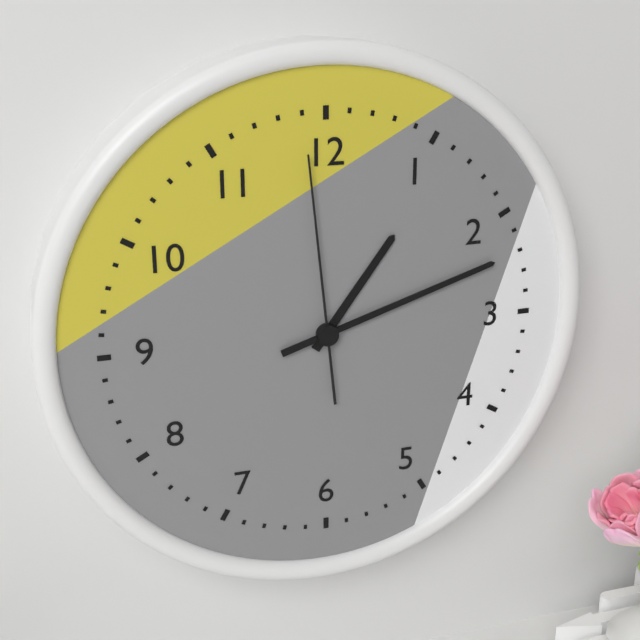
1:12:59
